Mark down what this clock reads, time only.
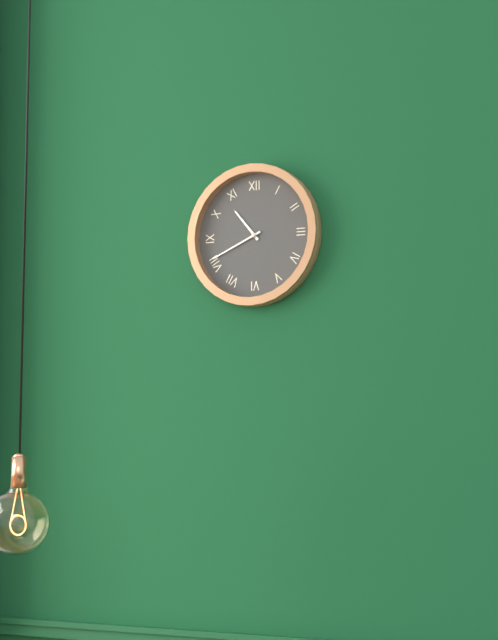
10:41
